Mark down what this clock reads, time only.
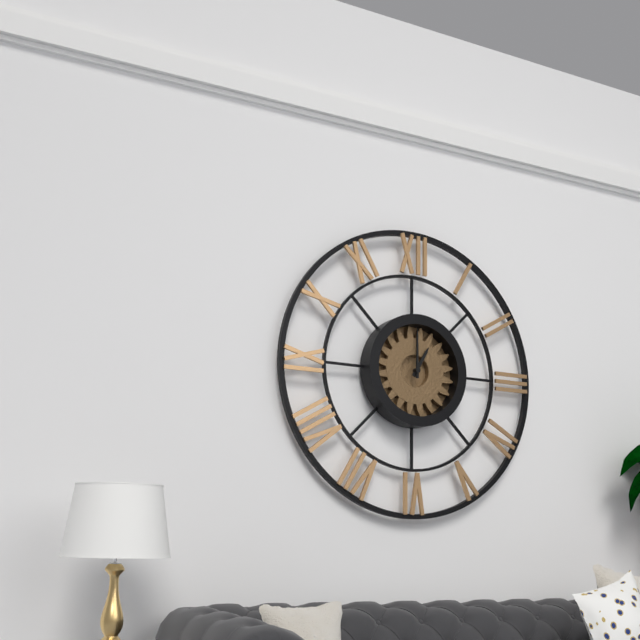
1:00
